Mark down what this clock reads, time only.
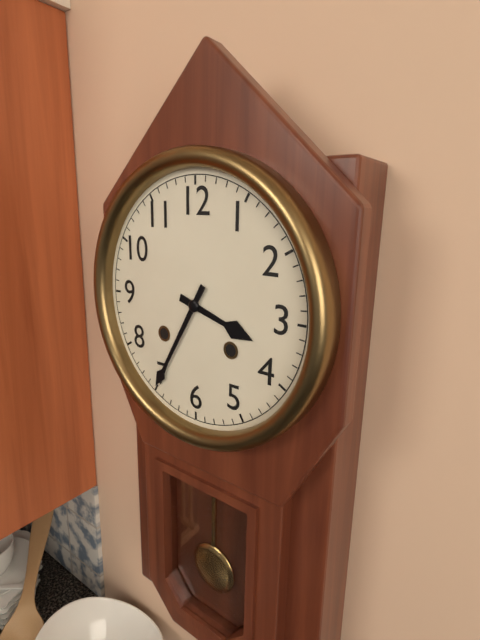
3:35
